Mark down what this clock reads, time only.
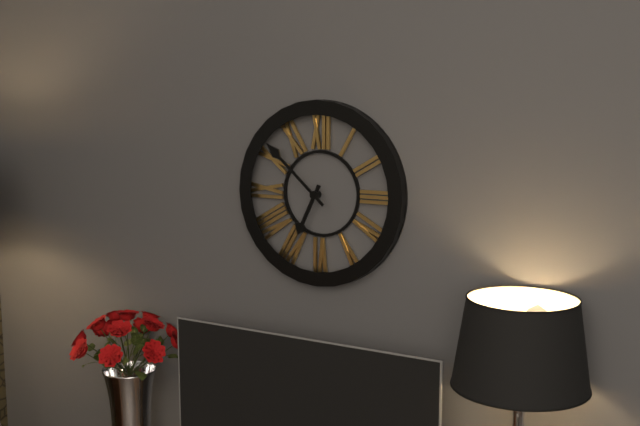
6:52
